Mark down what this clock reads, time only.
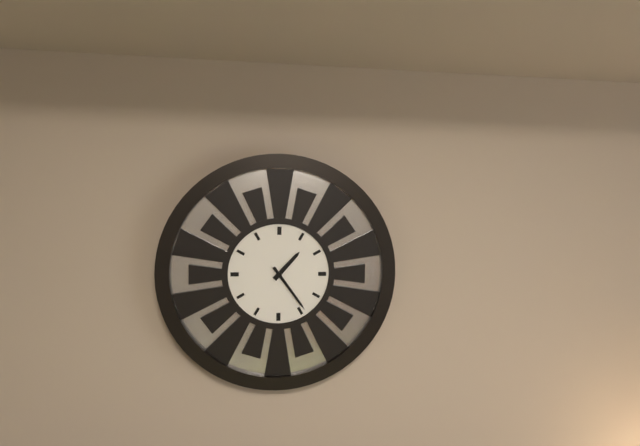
1:24
